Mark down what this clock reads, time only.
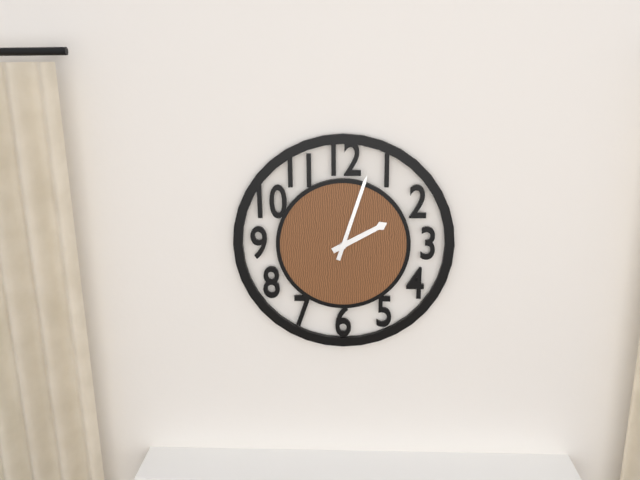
2:03
